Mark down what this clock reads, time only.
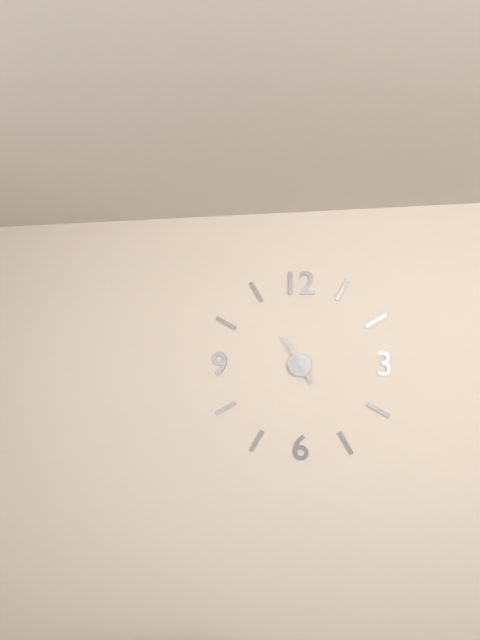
4:55
